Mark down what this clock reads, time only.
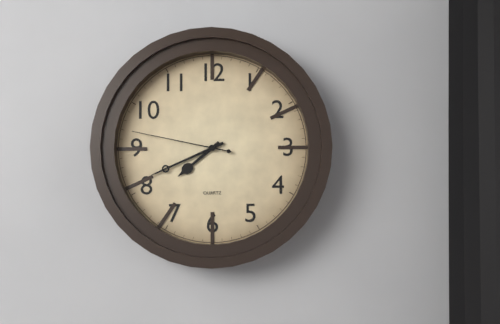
7:41:47
